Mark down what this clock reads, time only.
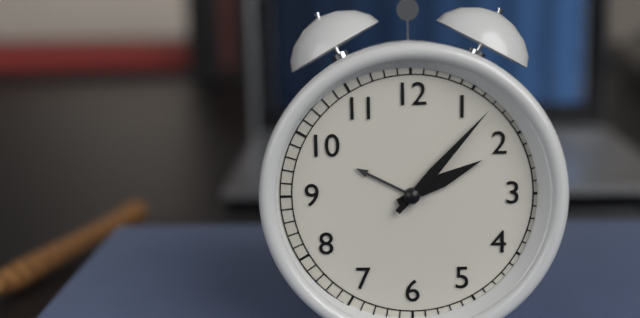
2:07
